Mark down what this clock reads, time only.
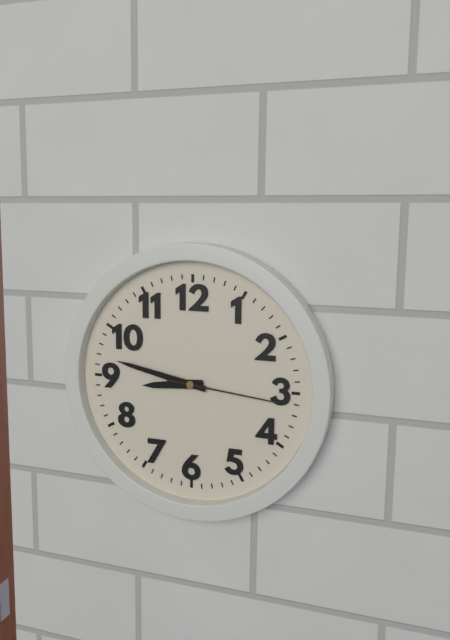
8:47:16
